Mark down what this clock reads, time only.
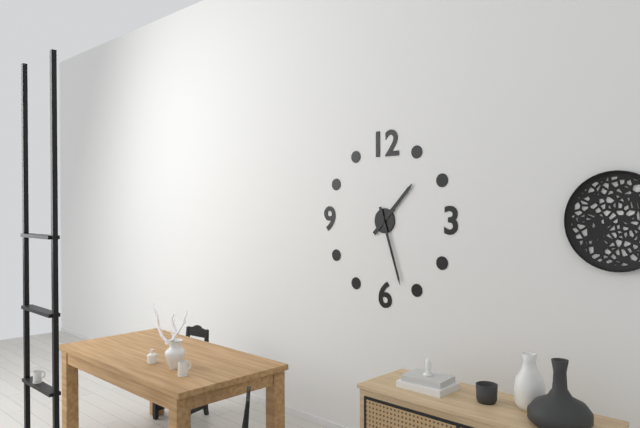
1:27
